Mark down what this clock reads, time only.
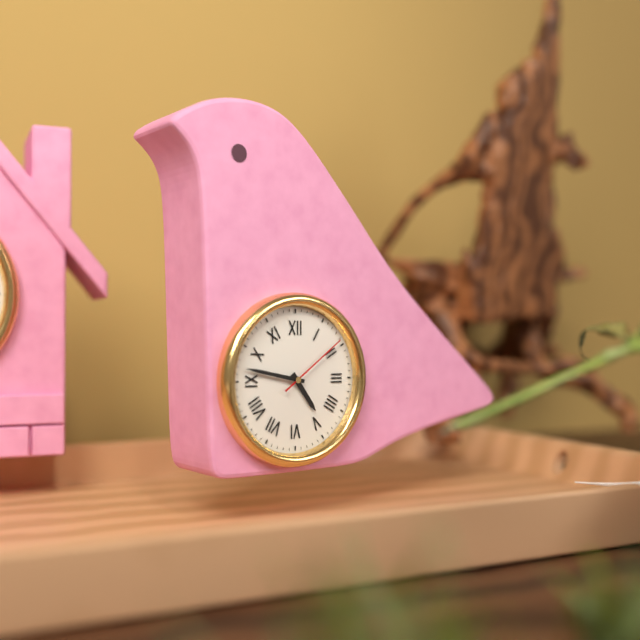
4:47:09
